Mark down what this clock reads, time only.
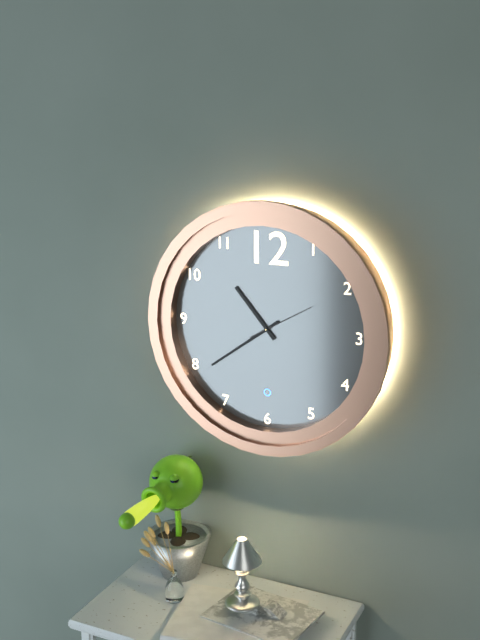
10:39:10
